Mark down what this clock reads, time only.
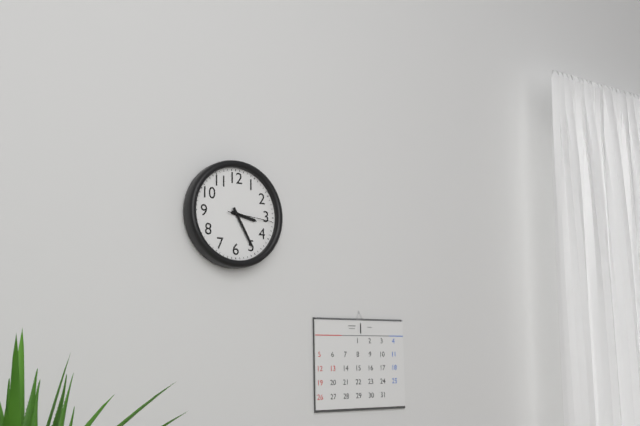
3:25:16
